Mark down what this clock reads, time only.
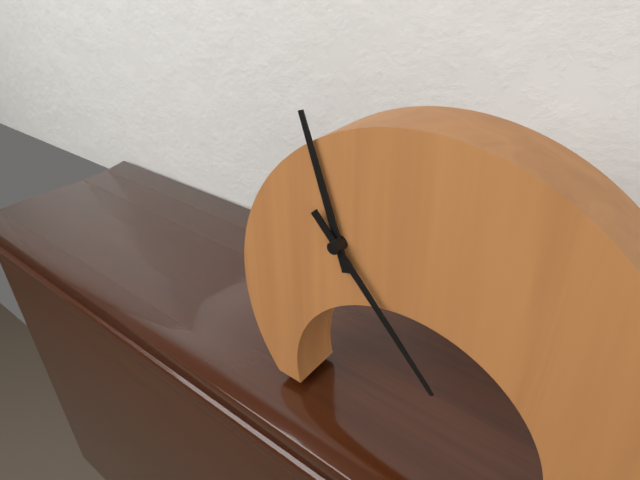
11:23
